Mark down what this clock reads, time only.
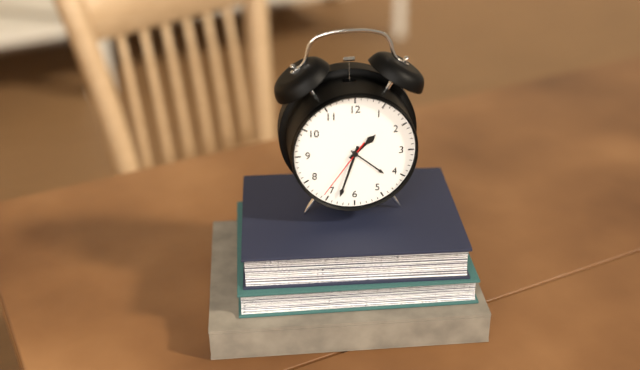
1:33:36
